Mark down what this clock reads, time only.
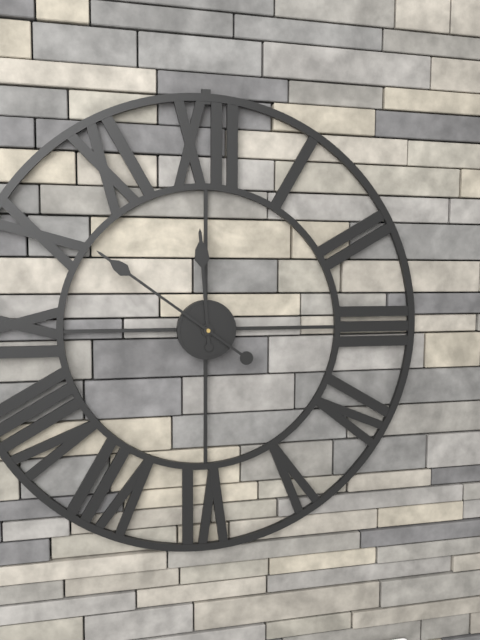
11:51
